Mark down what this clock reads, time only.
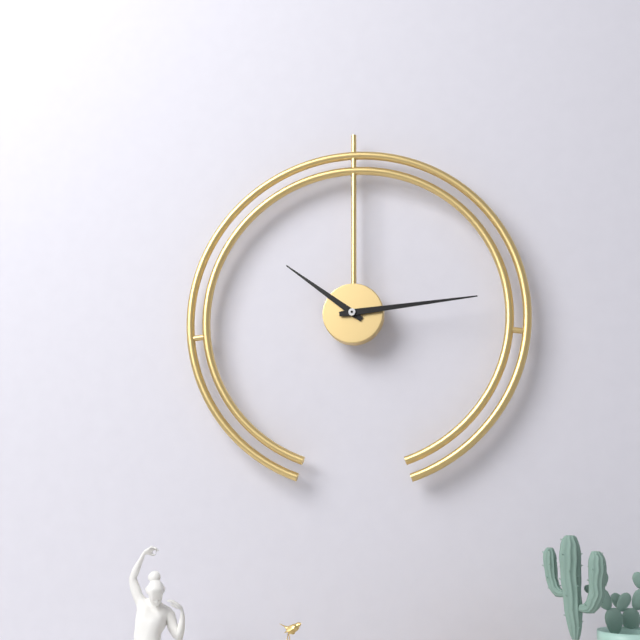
10:14
